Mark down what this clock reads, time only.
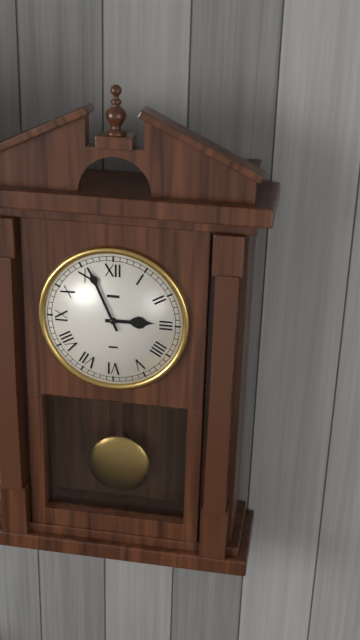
2:56
